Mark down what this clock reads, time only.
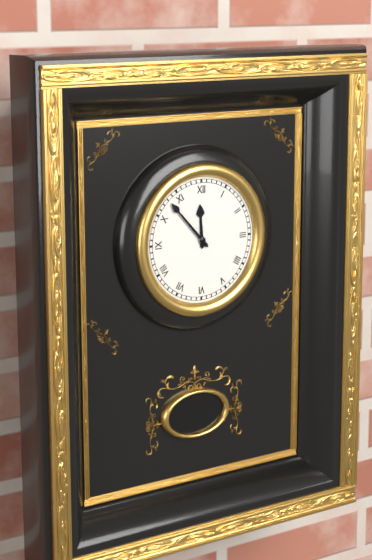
11:53
